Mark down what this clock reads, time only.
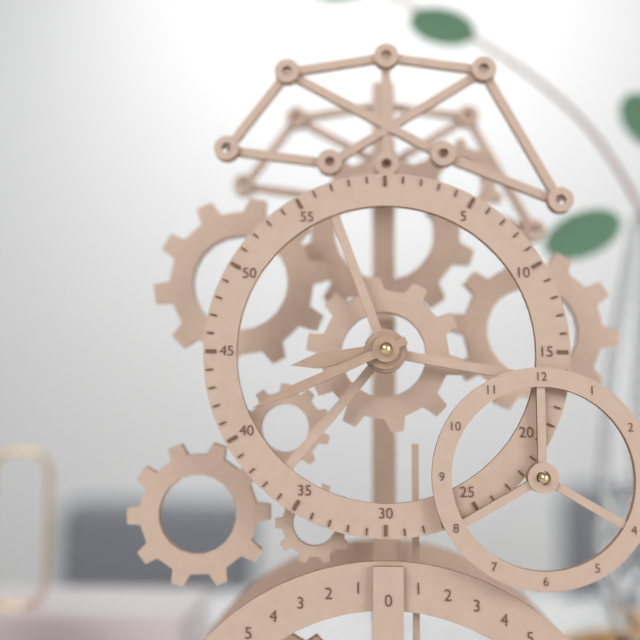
8:41
